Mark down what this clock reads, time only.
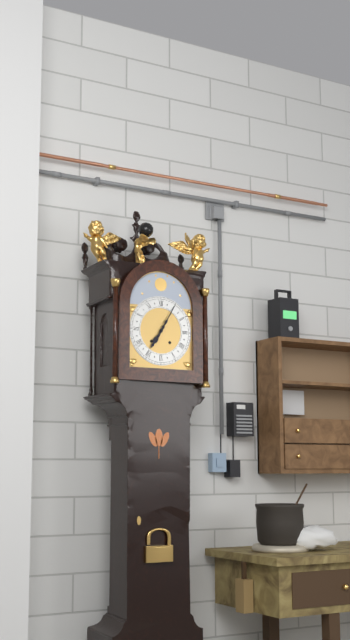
7:05
